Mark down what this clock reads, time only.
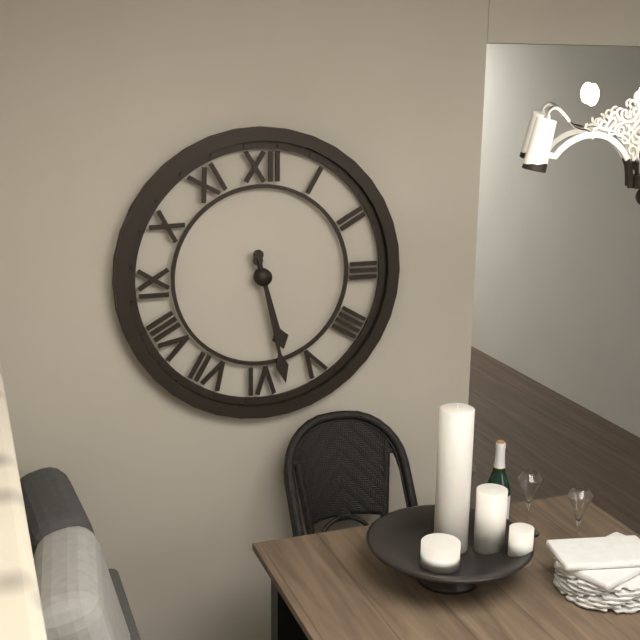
5:28
